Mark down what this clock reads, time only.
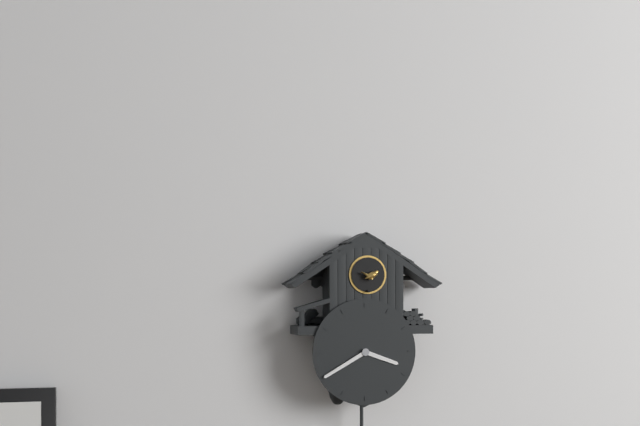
3:40
